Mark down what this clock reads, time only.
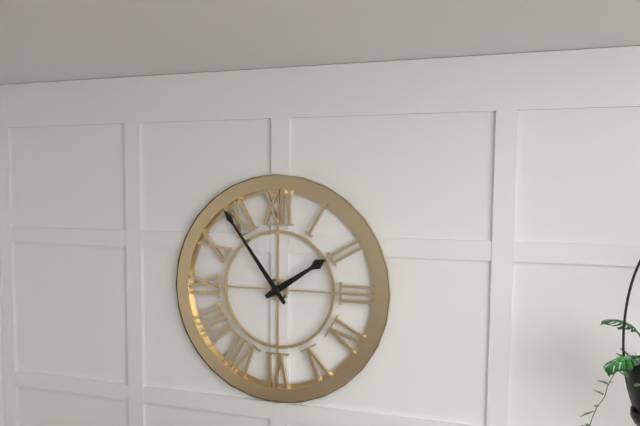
1:54
